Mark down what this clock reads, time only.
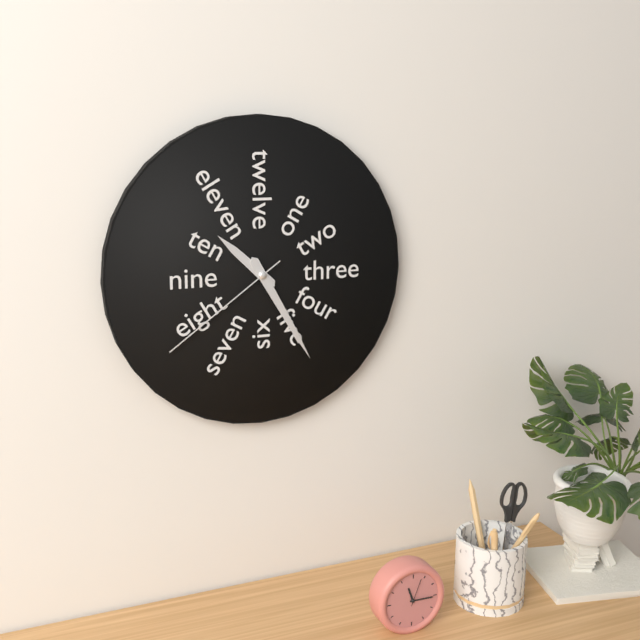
10:25:39
